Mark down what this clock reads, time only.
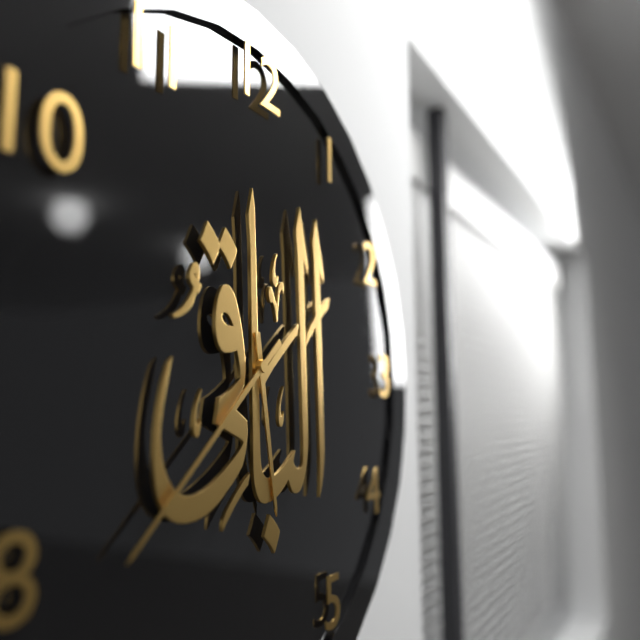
5:38
